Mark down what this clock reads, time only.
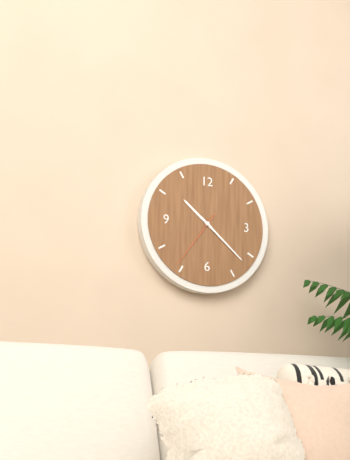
10:22:36
